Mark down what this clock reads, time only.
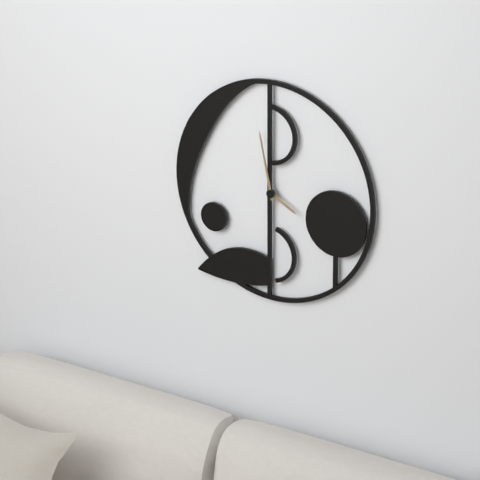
3:58
